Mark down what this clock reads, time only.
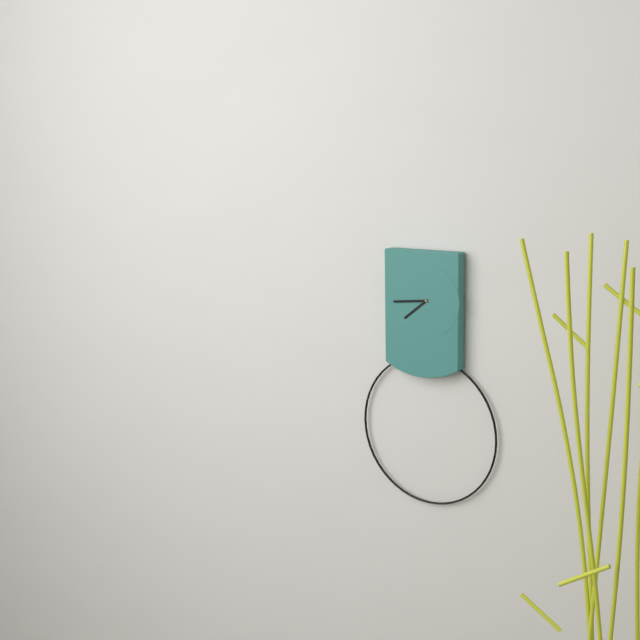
7:44
